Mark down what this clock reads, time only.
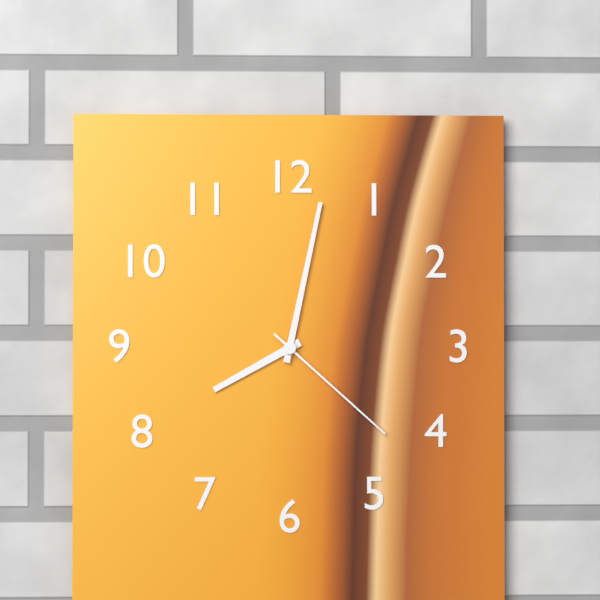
8:02:22
